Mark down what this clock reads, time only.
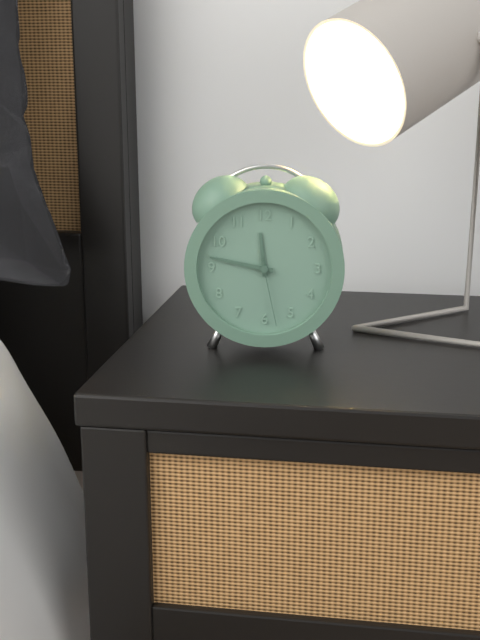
11:47:28
